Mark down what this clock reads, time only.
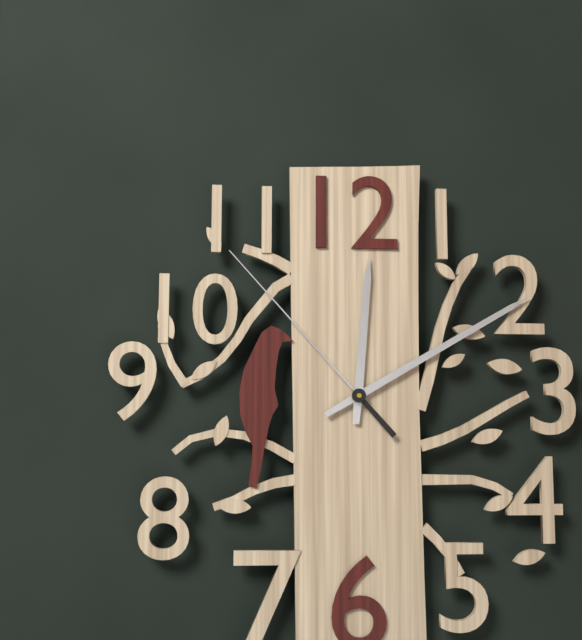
12:10:53
